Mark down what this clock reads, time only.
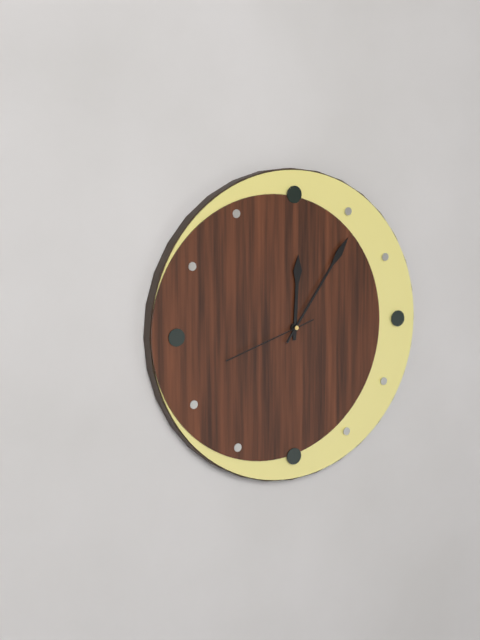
12:06:42
